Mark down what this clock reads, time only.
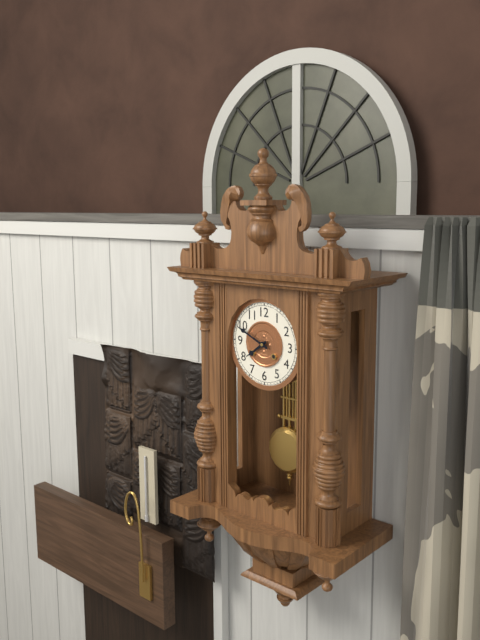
7:49
